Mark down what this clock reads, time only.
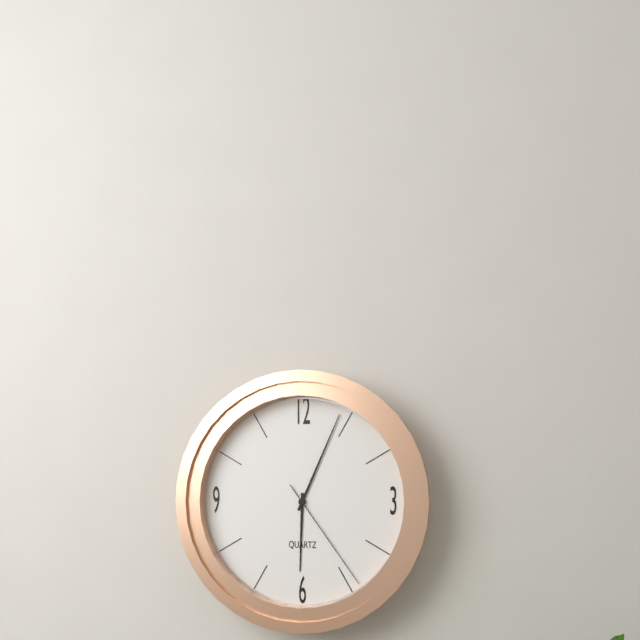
6:04:24
